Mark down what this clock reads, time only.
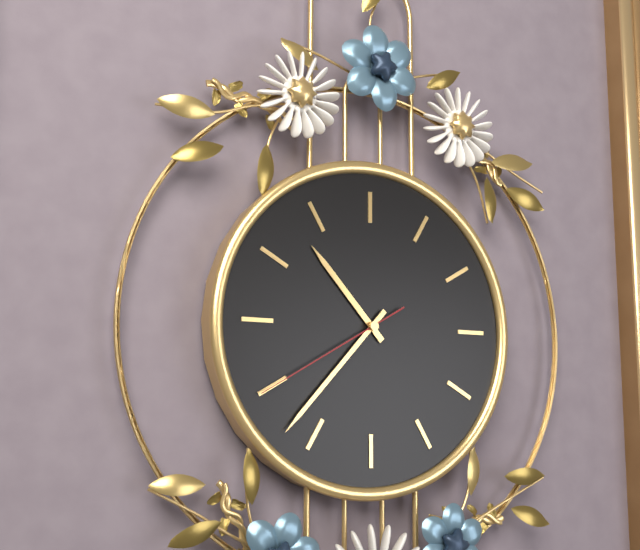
10:37:40
